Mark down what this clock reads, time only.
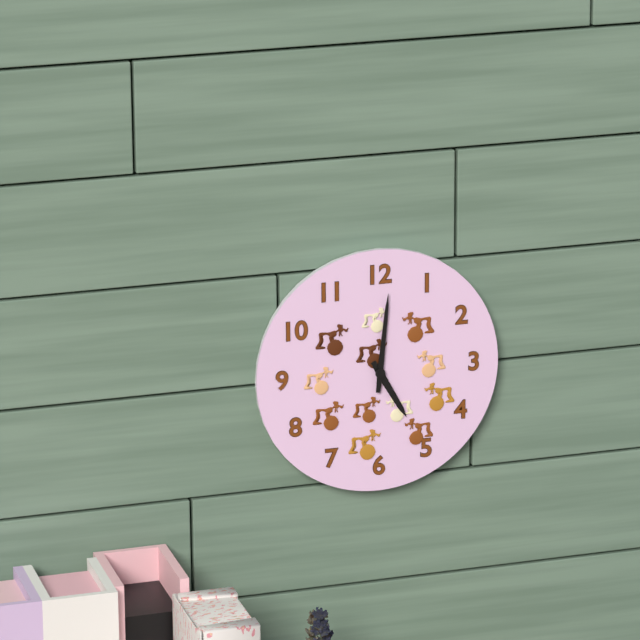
5:01
